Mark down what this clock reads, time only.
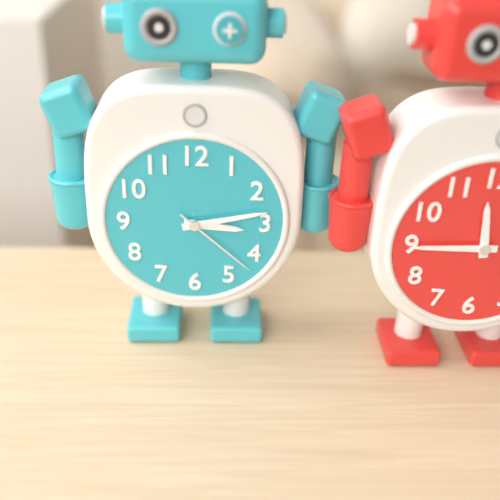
3:13:22
